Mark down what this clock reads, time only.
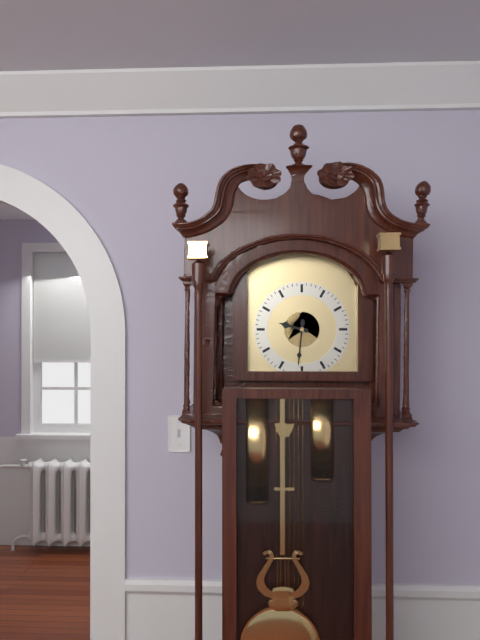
9:31
